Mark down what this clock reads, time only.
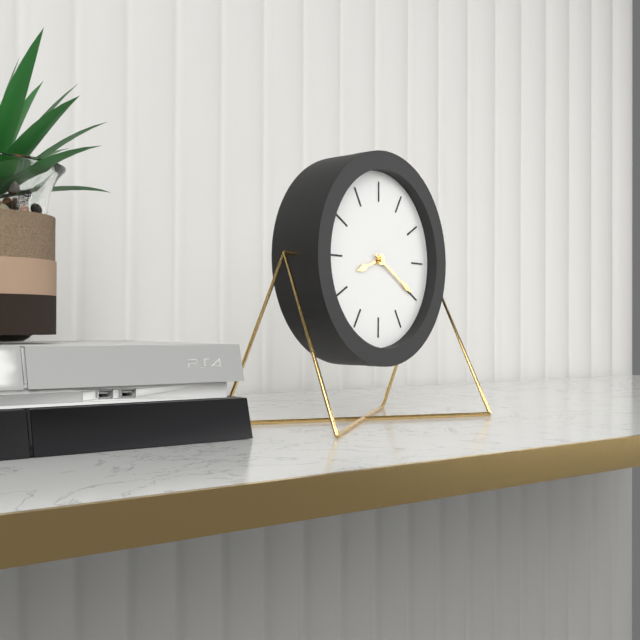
8:20
